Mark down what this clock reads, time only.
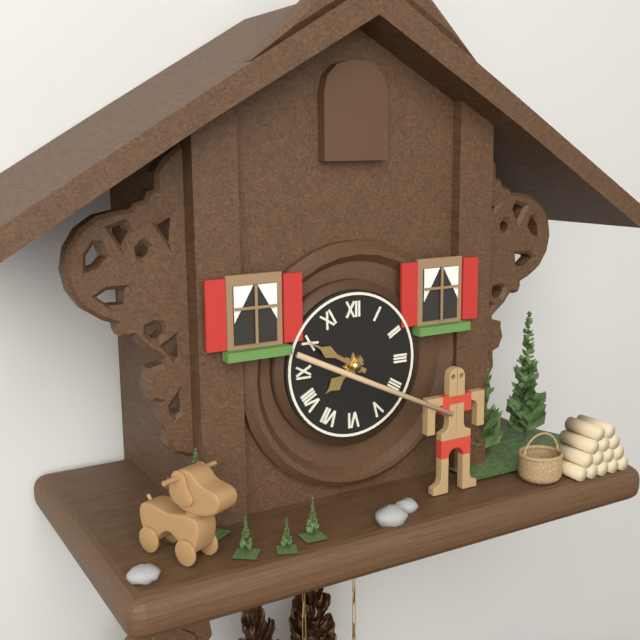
7:50
